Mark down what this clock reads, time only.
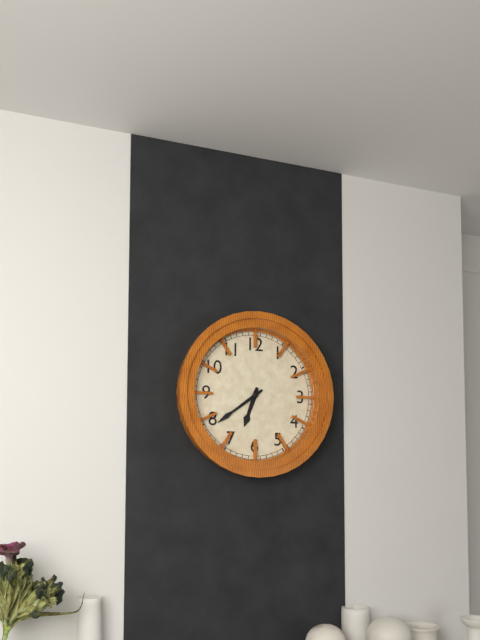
6:39
